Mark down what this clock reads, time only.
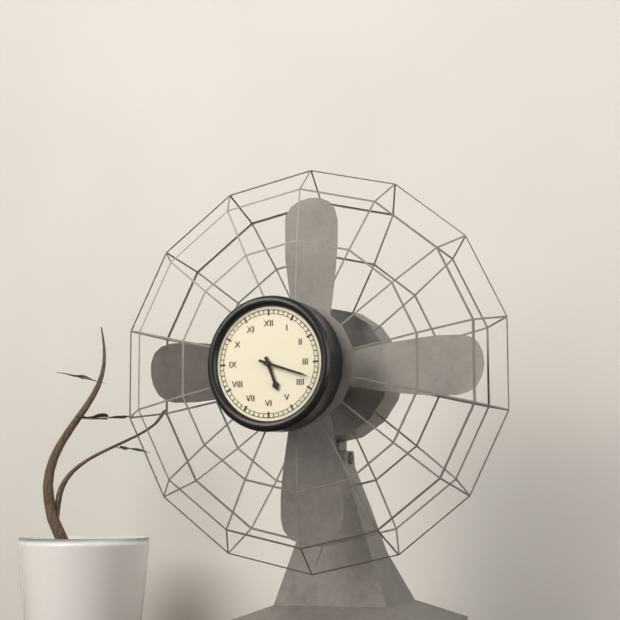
5:18
